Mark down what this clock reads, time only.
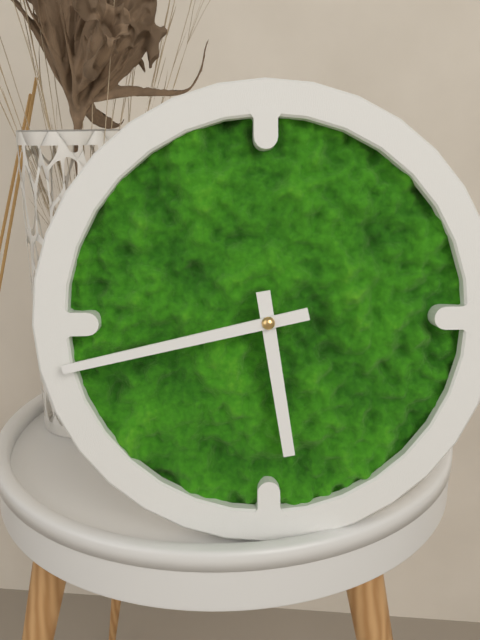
5:43
